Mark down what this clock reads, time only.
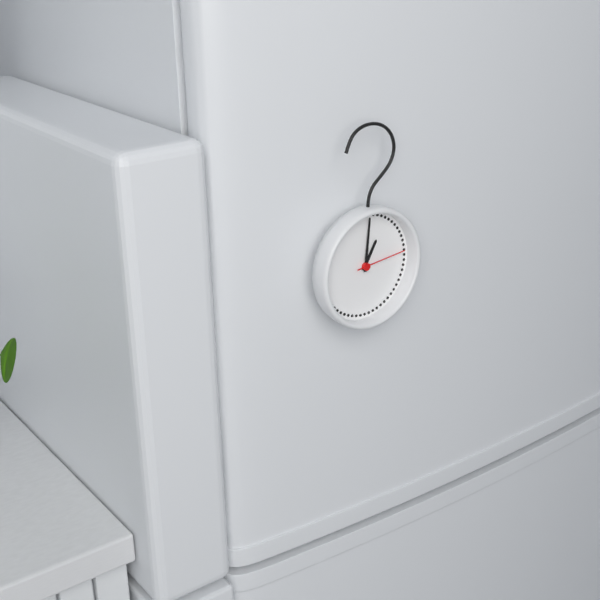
1:01:14
